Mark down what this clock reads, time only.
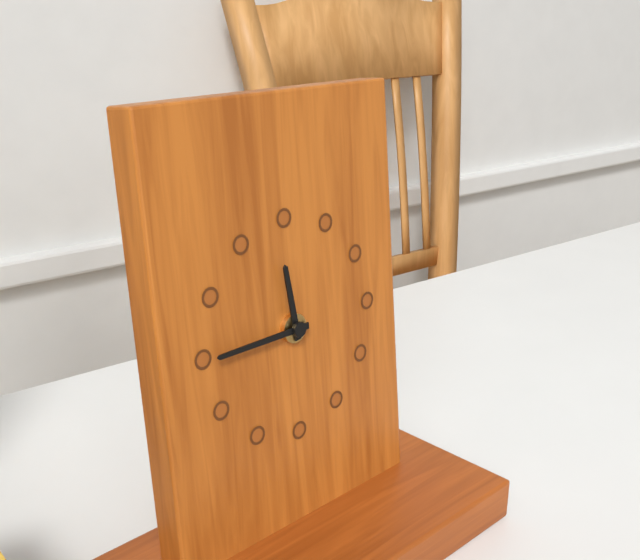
11:45
